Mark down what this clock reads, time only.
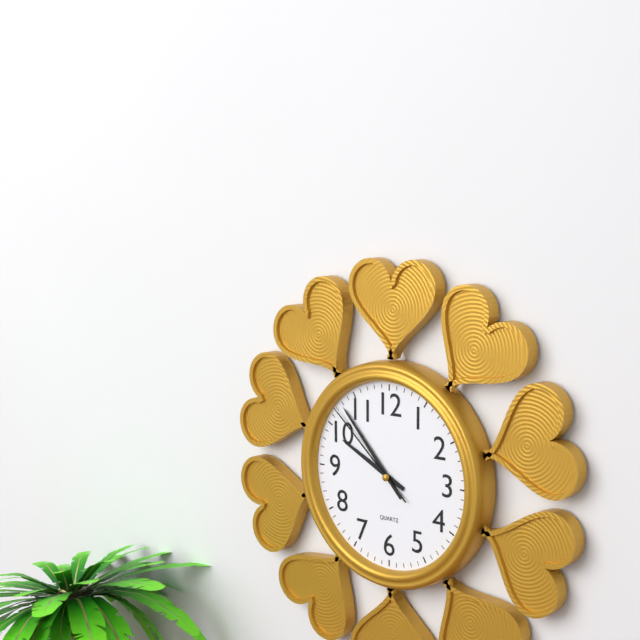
9:53:52
